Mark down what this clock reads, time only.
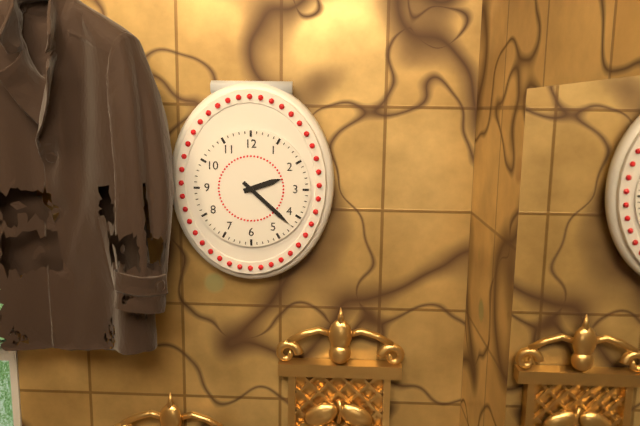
2:22
